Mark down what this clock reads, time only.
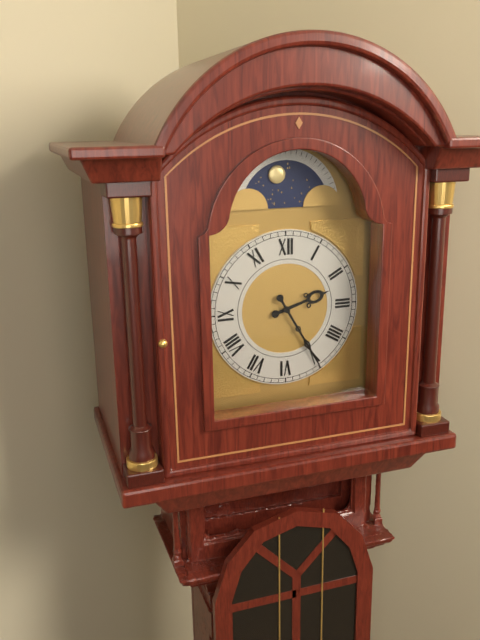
2:25
